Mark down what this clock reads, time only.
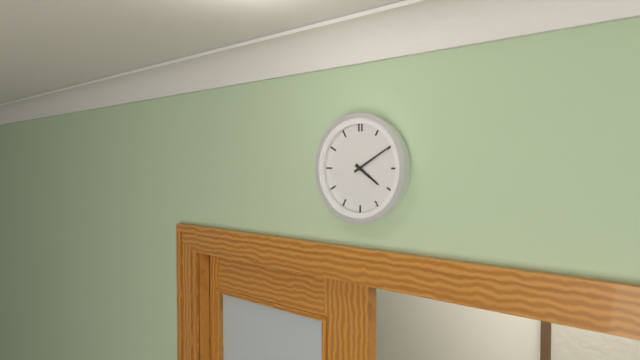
4:10
